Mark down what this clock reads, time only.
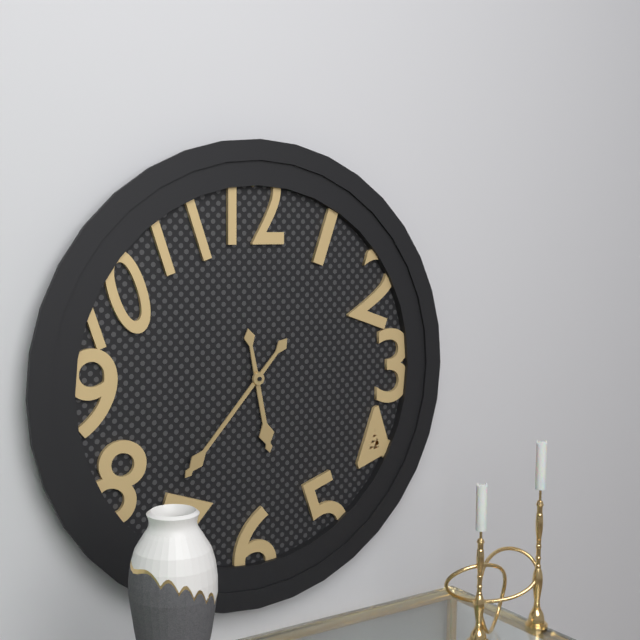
5:37
